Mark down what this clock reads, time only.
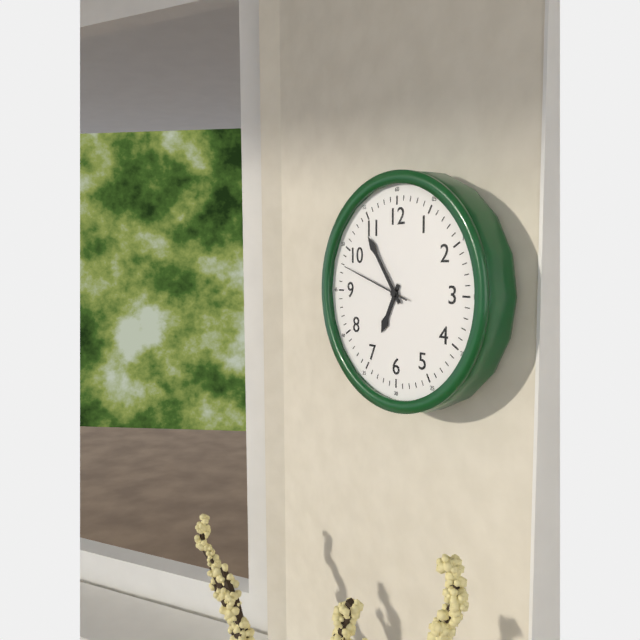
6:54:48
